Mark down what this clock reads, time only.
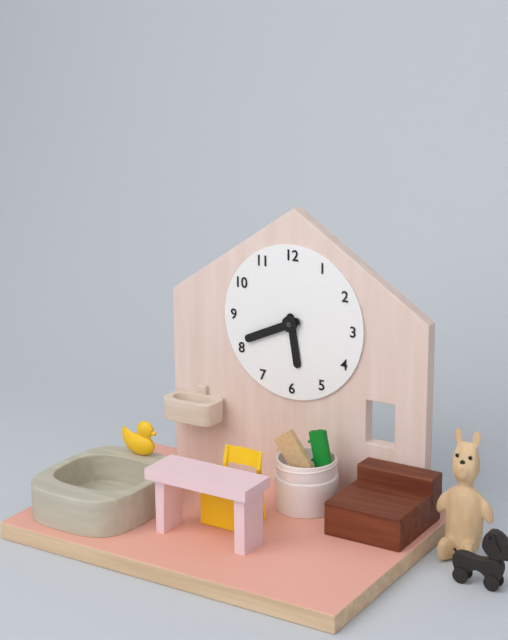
5:41
